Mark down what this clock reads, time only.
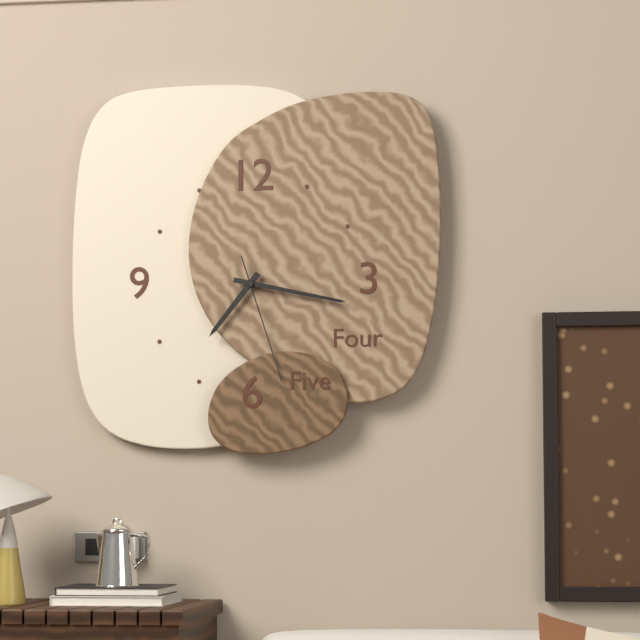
7:17:27
